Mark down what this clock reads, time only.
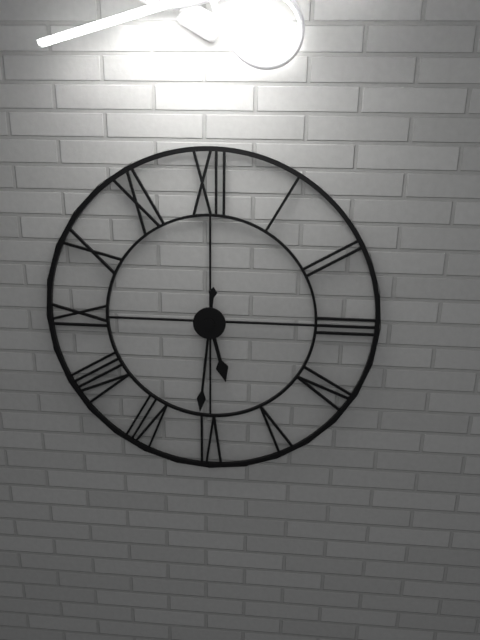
5:31
